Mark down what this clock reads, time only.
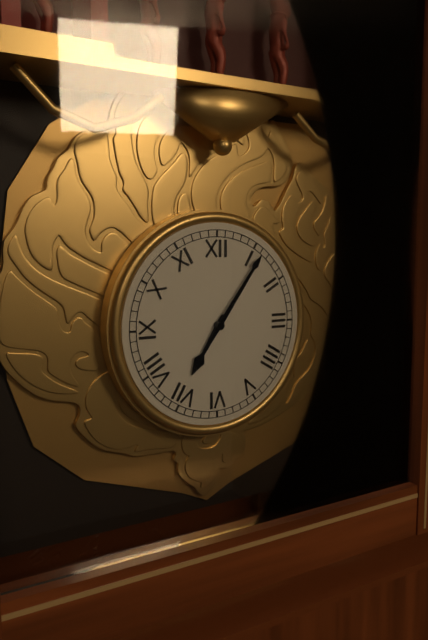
7:06
